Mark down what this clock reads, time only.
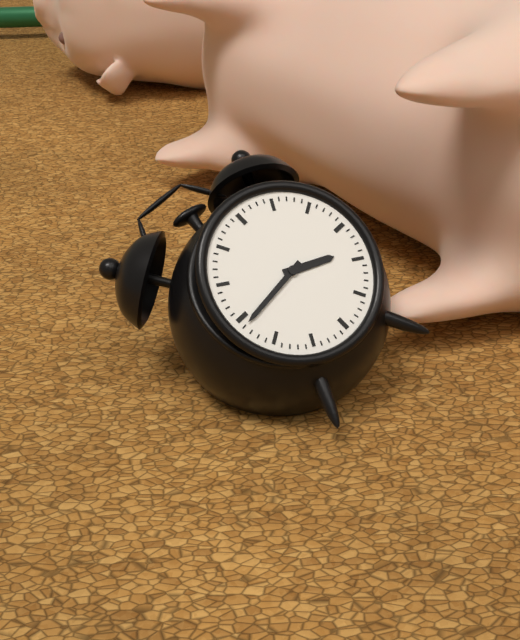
3:44
